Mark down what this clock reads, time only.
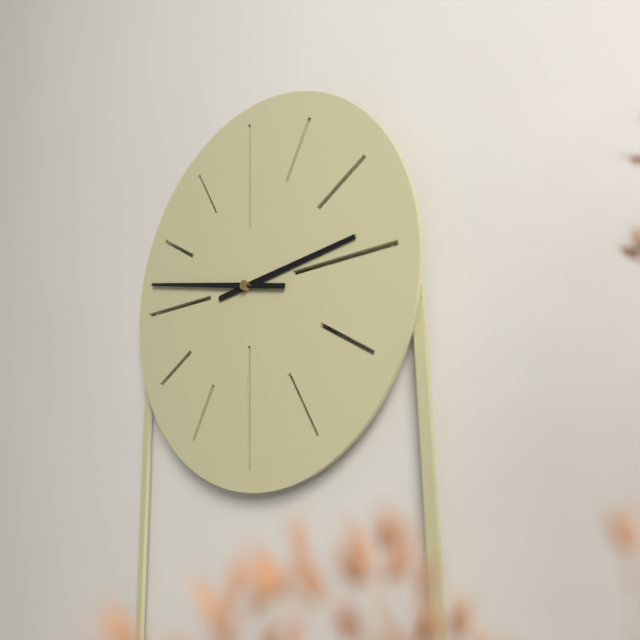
2:47
